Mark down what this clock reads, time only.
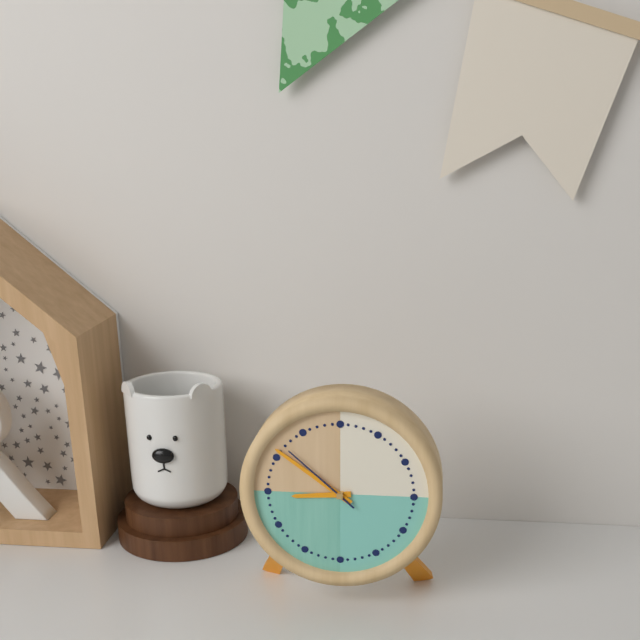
8:51:52
